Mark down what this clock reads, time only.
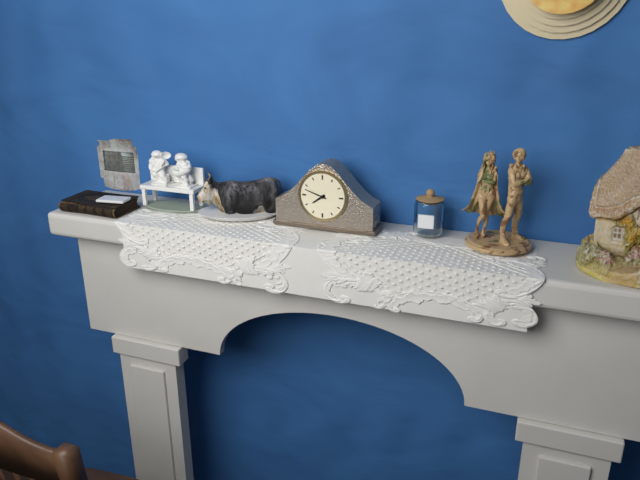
7:48
